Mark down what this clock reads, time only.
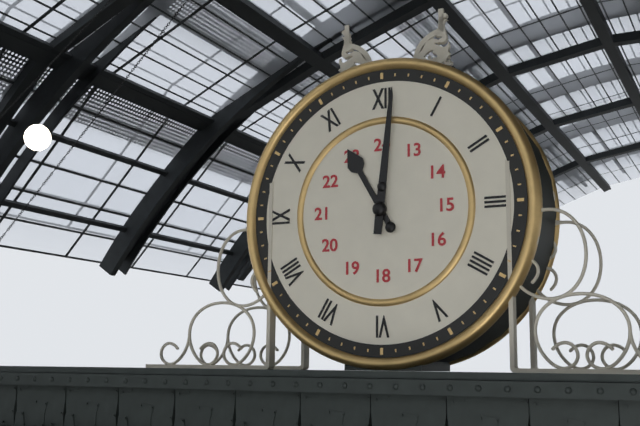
11:01
